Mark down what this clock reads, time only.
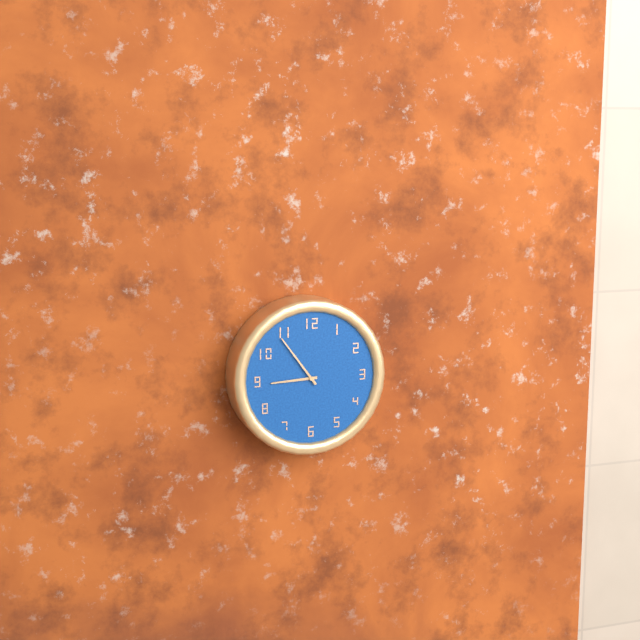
8:54
